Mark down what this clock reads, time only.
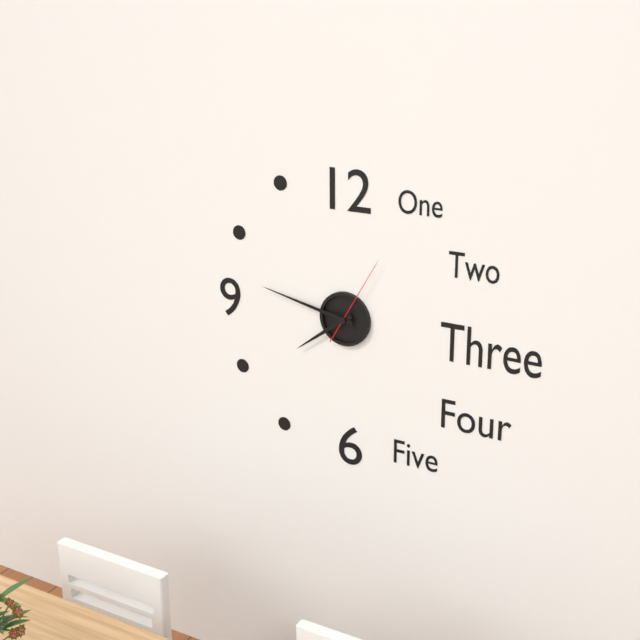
7:47:05
